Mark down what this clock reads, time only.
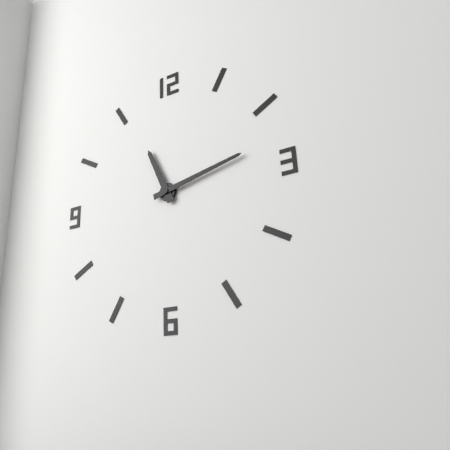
11:13
